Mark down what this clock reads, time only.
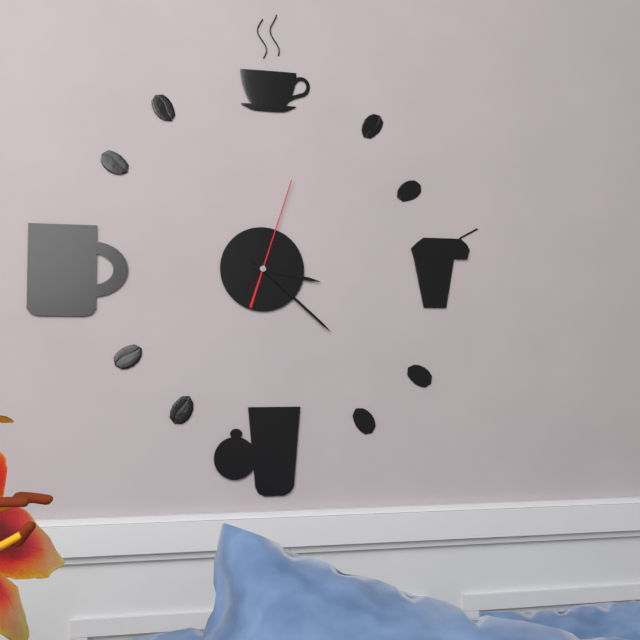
3:22:03
